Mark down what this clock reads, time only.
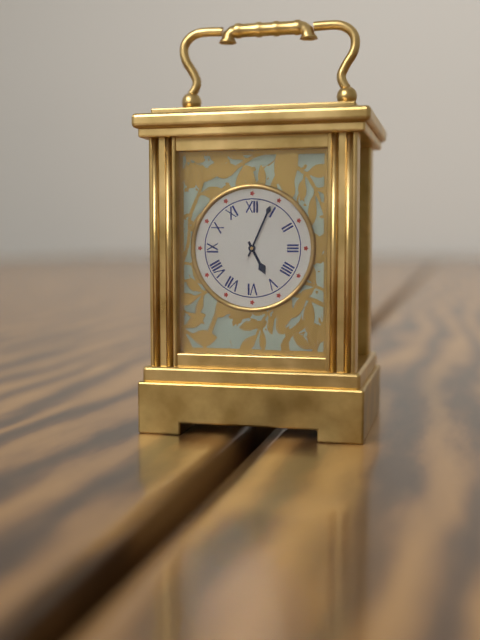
5:04
